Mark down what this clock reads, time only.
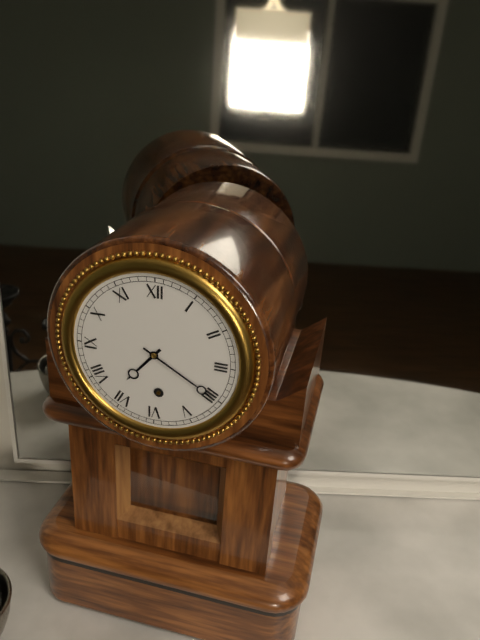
7:20
